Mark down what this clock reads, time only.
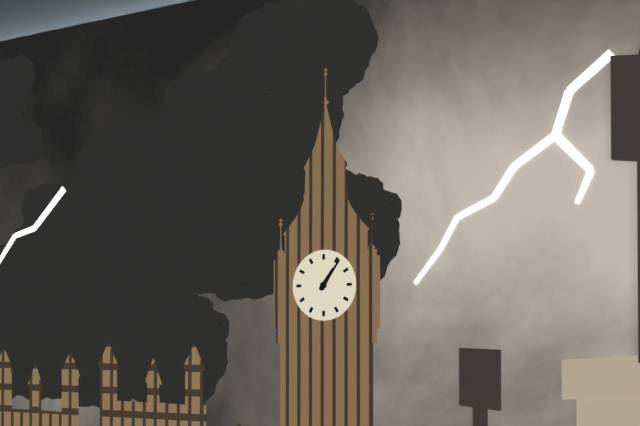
1:06
